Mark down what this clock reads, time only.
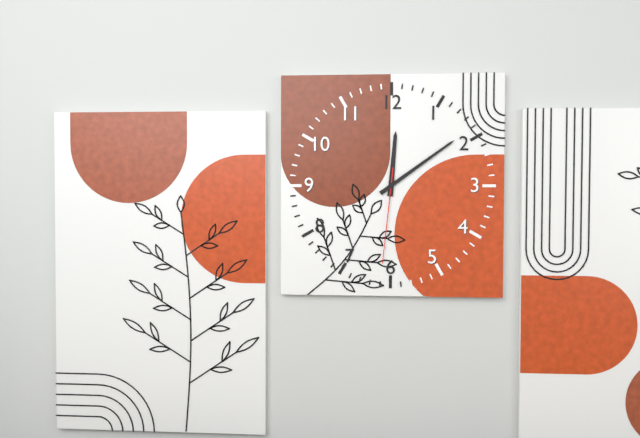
12:09:31
